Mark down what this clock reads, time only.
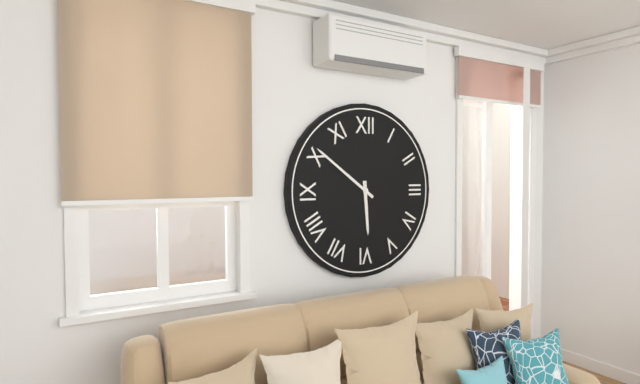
5:51
